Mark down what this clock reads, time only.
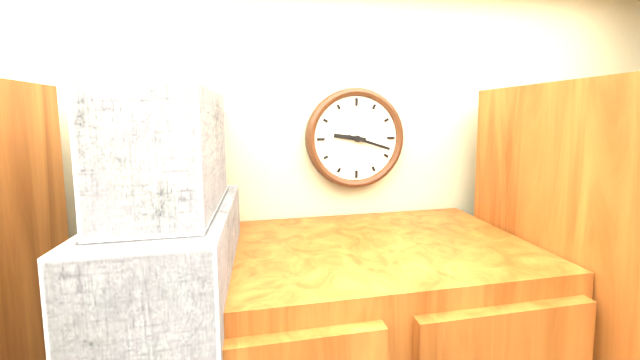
9:18
